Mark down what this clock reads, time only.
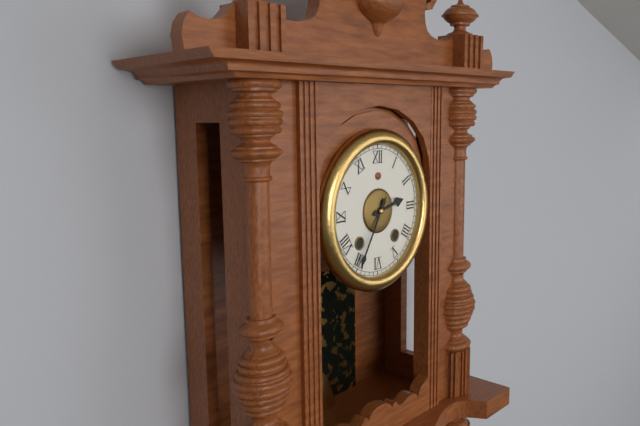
2:35
